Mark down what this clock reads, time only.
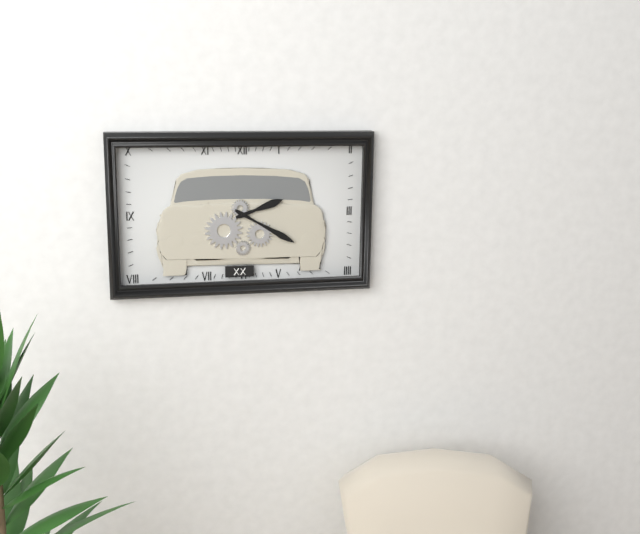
2:20
